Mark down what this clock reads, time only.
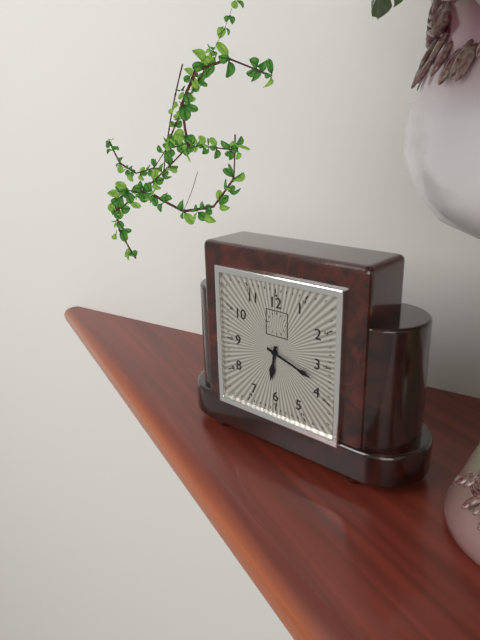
6:18
